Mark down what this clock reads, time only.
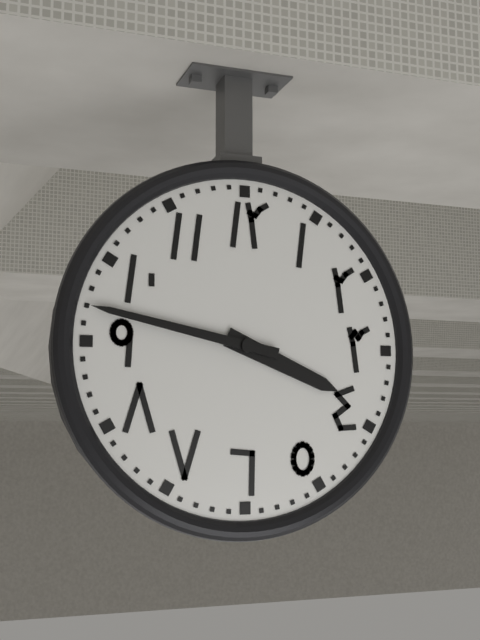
3:47
